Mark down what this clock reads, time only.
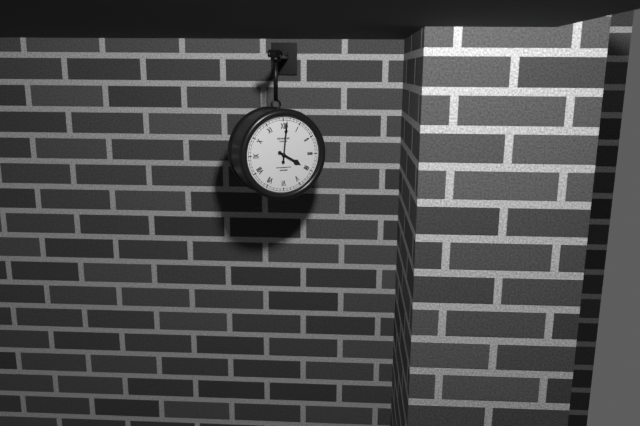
4:01
